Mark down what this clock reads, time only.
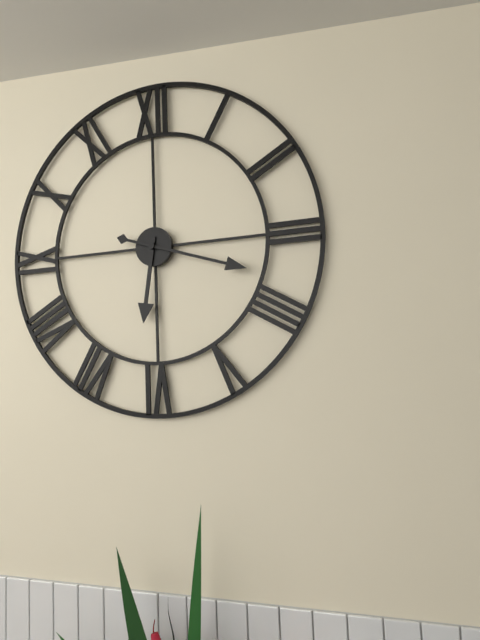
6:18
